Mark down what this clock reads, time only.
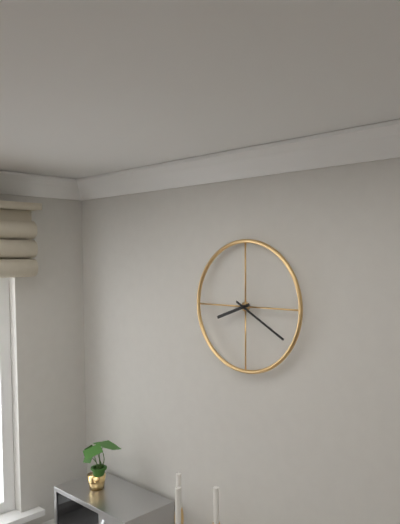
8:20
